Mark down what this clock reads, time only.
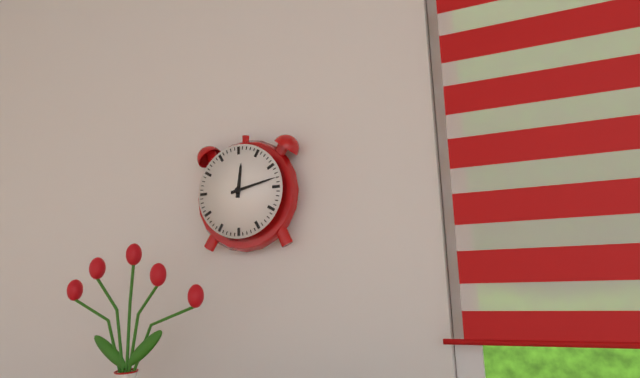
12:13
